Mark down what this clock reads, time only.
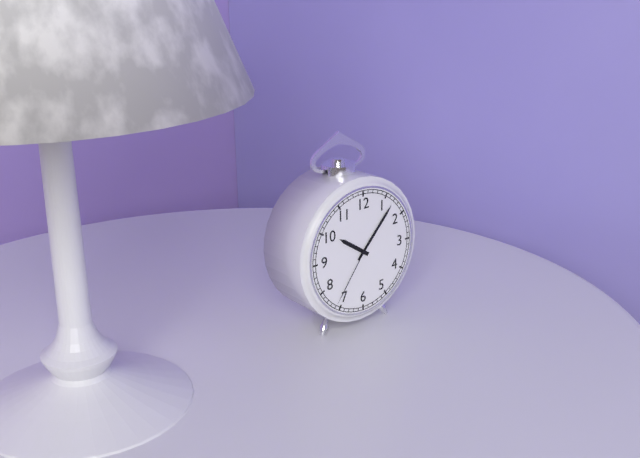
10:07:36
